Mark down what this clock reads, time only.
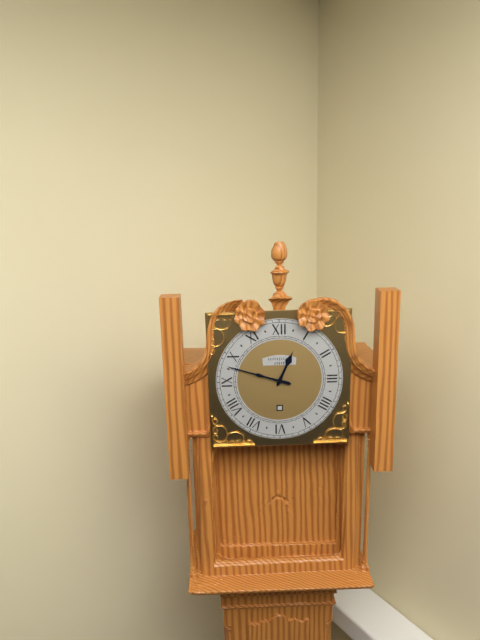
12:48
